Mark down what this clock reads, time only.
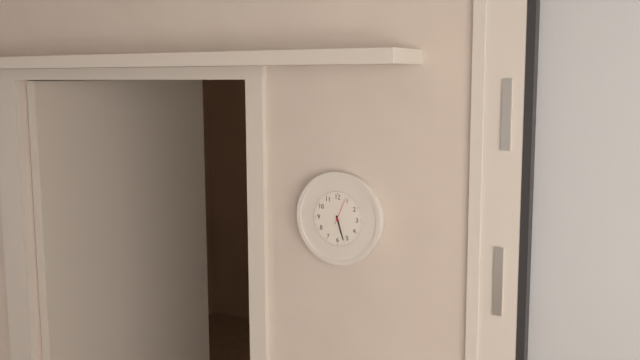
5:27
